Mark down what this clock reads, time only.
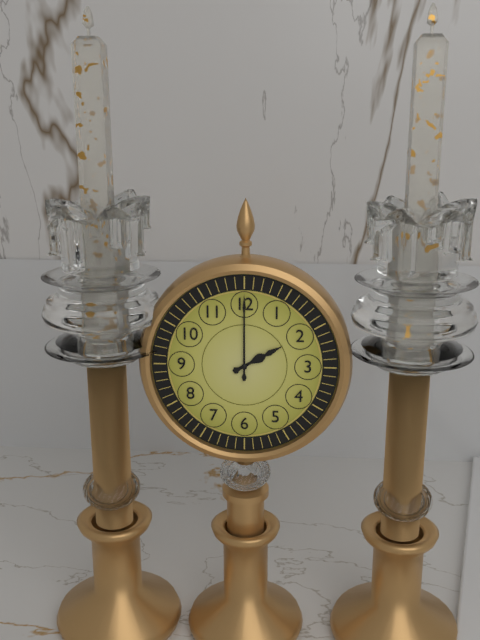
2:00
